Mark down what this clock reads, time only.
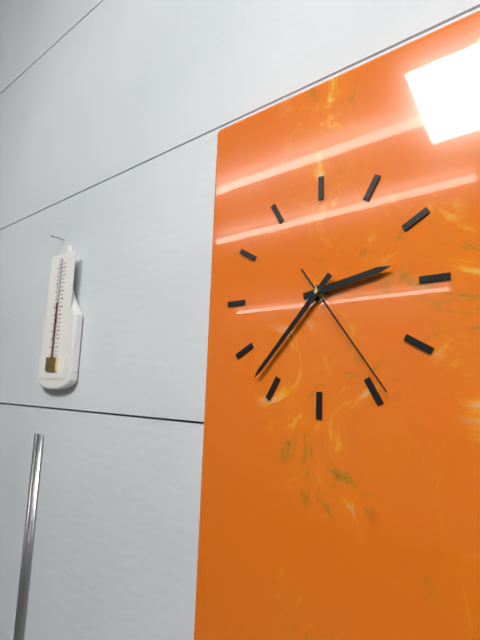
2:37:24
